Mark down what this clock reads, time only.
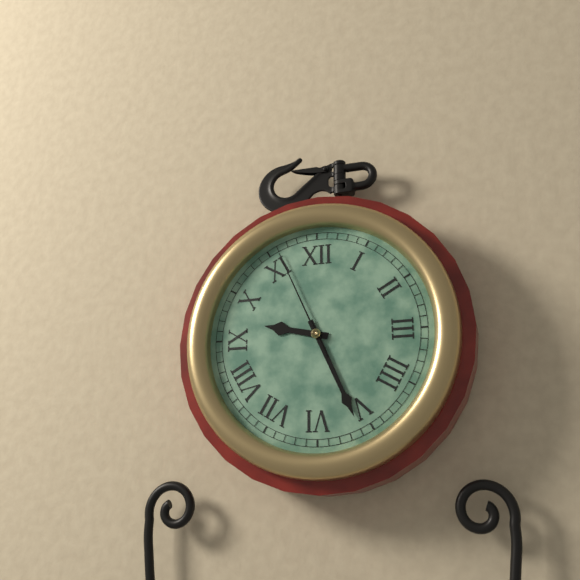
9:26:56
